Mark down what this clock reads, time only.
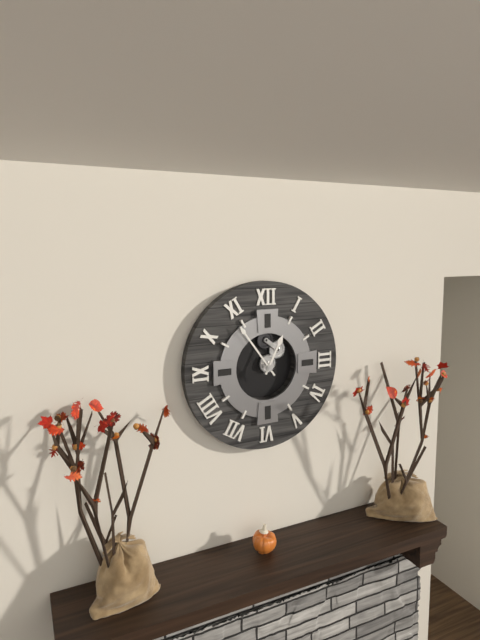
12:54
